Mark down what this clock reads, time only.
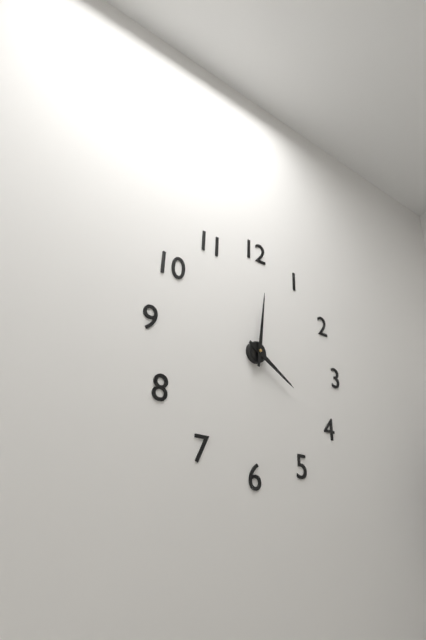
4:01
